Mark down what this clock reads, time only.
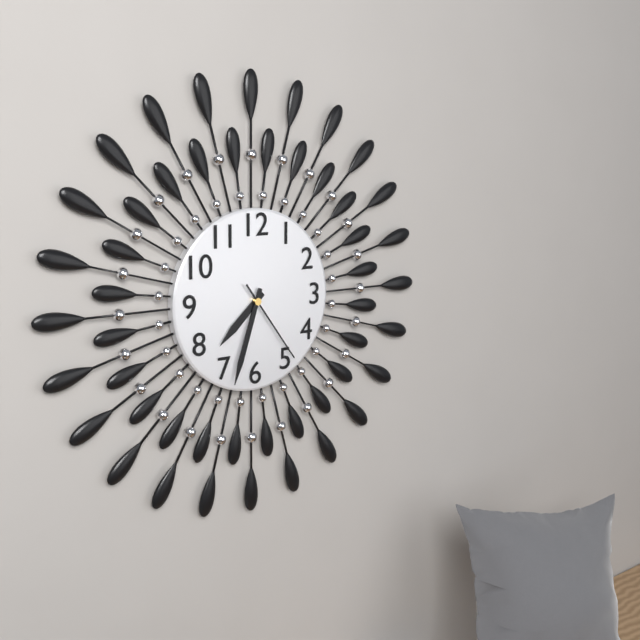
7:33:24
